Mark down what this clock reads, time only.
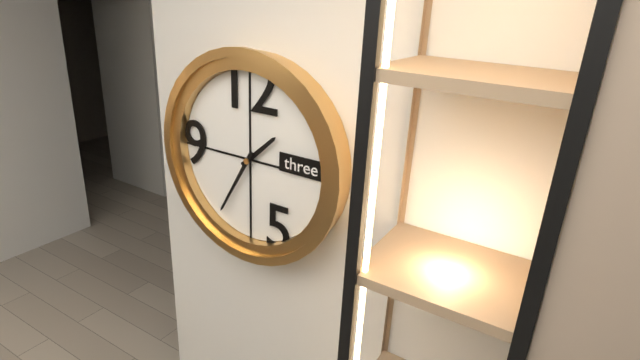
1:35
